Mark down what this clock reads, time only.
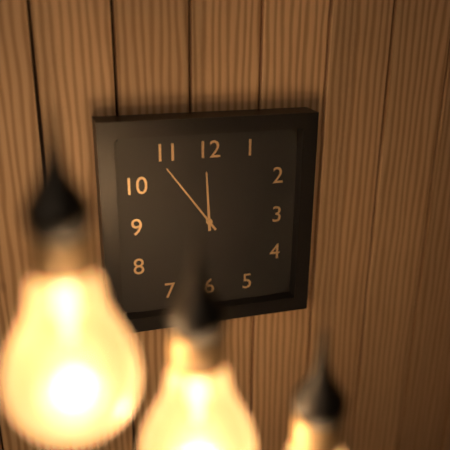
11:54
